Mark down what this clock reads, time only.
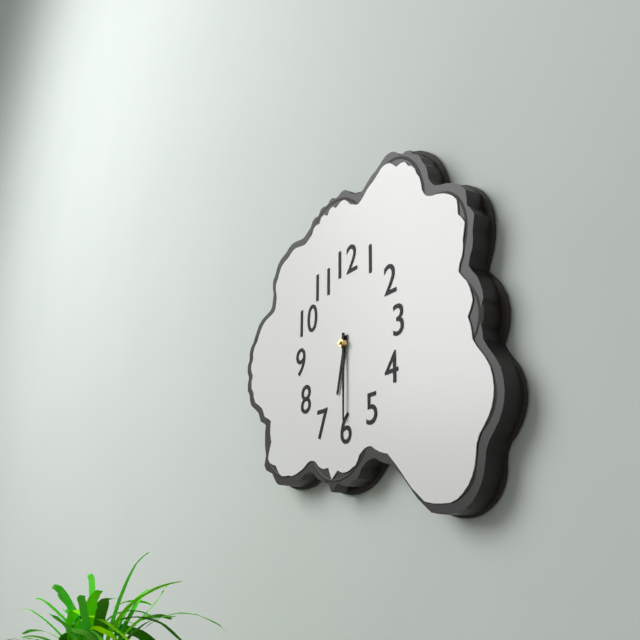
6:30
